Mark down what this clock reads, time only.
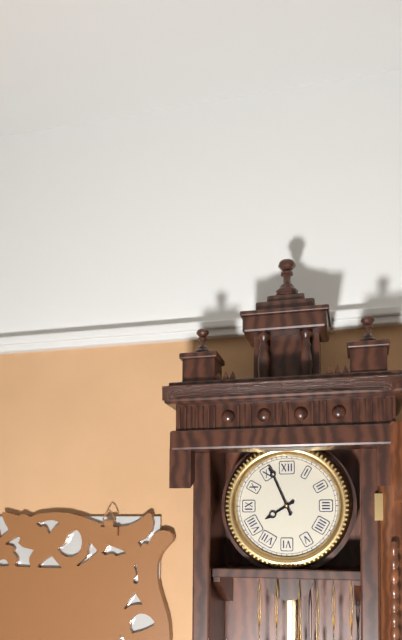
7:56
